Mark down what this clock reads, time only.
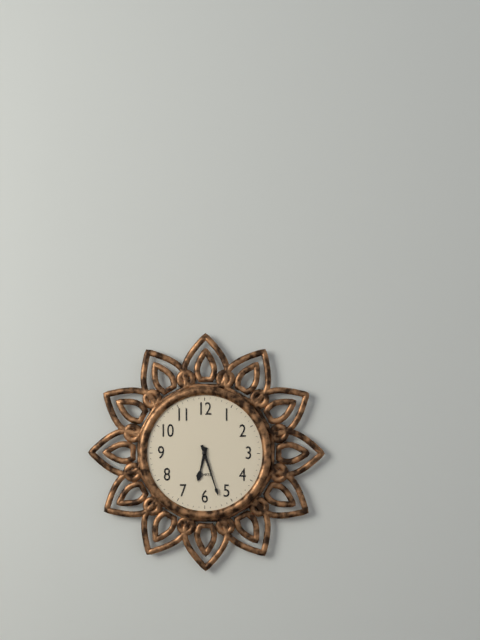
6:27
